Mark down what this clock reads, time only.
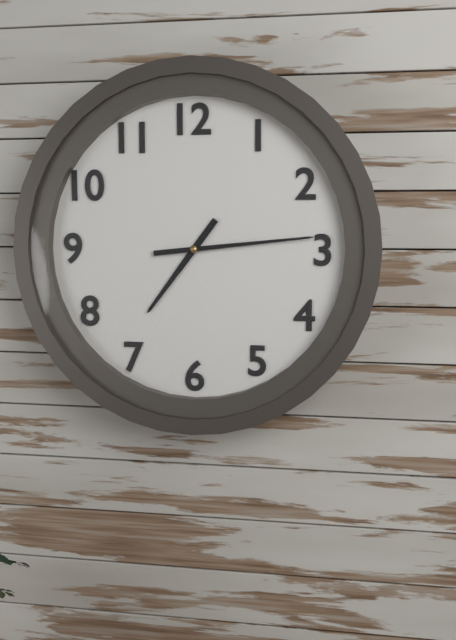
7:14
